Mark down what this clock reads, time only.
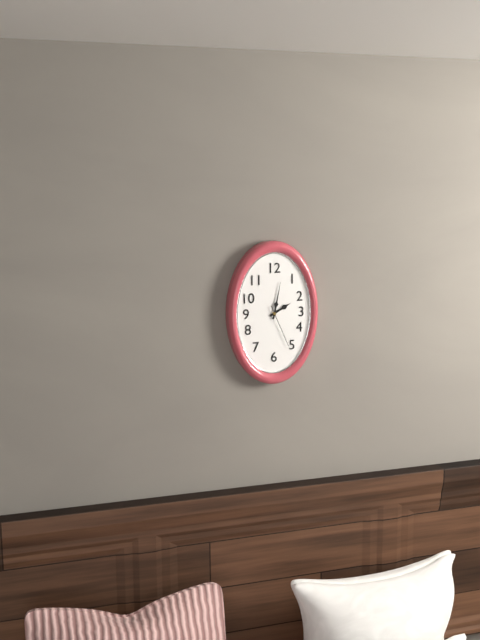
2:02
